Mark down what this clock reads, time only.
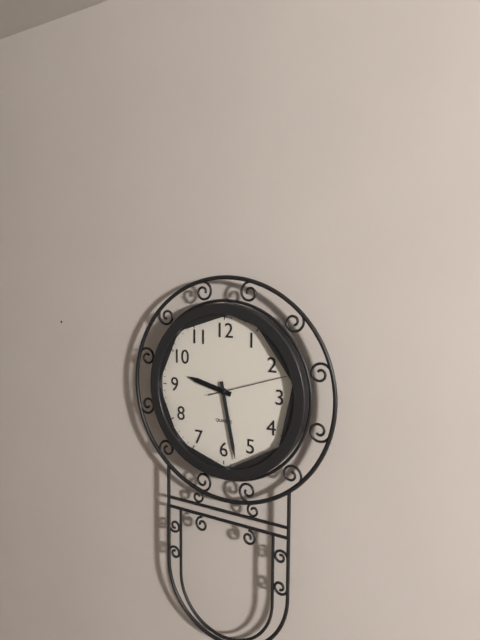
9:28:12
